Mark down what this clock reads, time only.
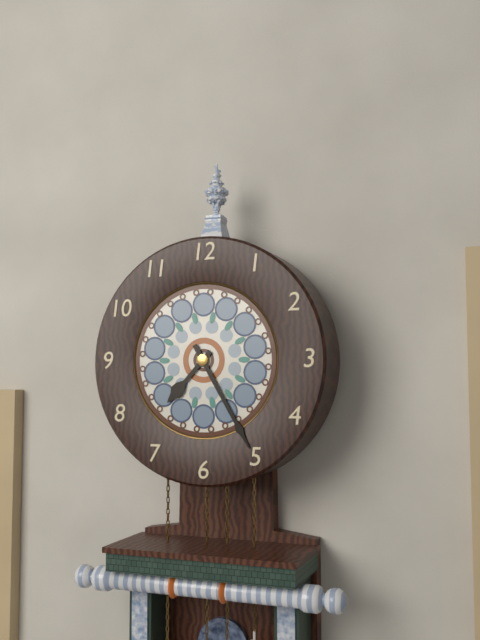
7:25
